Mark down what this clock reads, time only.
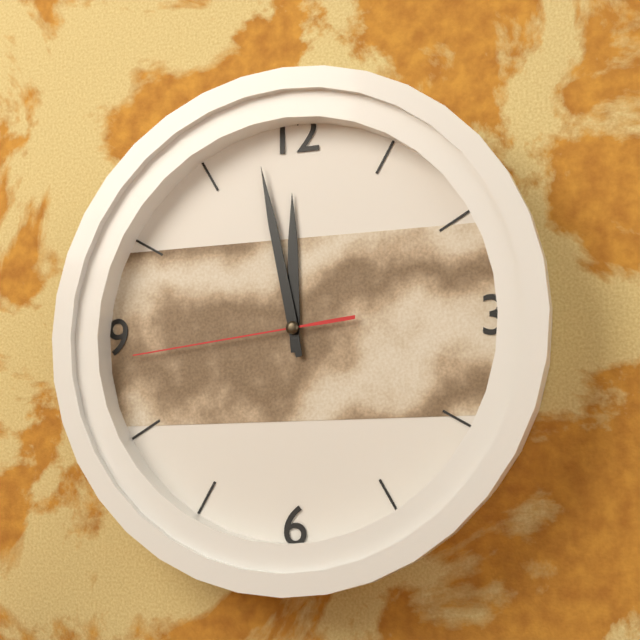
11:58:44
